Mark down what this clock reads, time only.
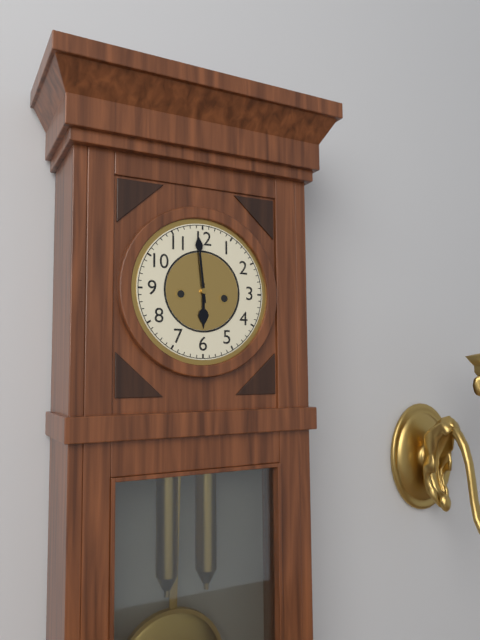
5:59
